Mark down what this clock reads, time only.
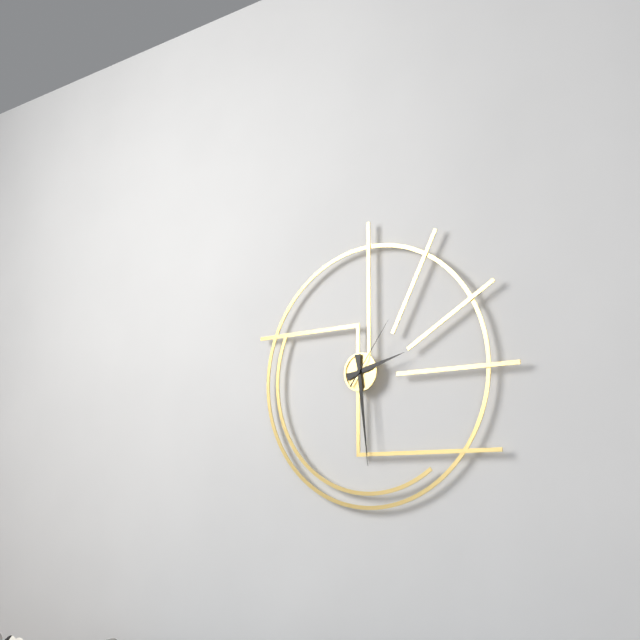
2:29:06
